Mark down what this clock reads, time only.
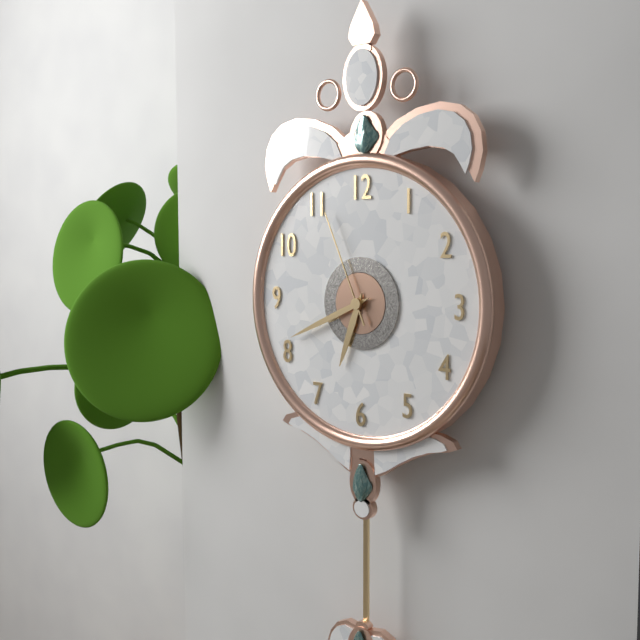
6:41:56
